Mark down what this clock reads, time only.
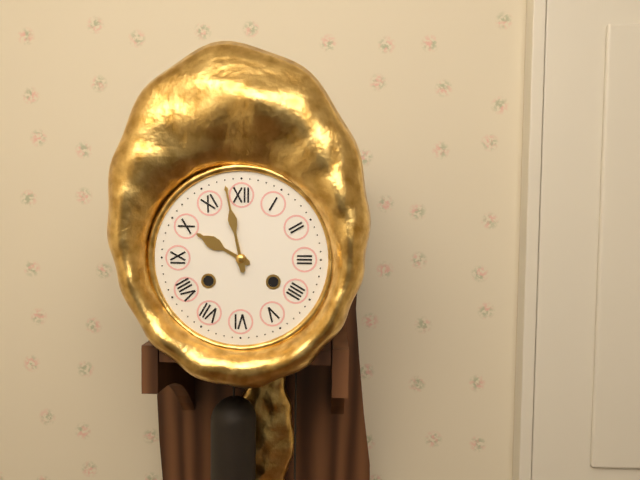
9:58
